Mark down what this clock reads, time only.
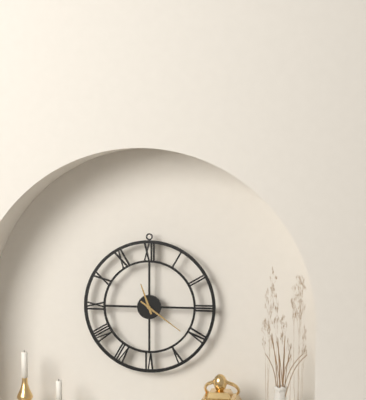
11:21
